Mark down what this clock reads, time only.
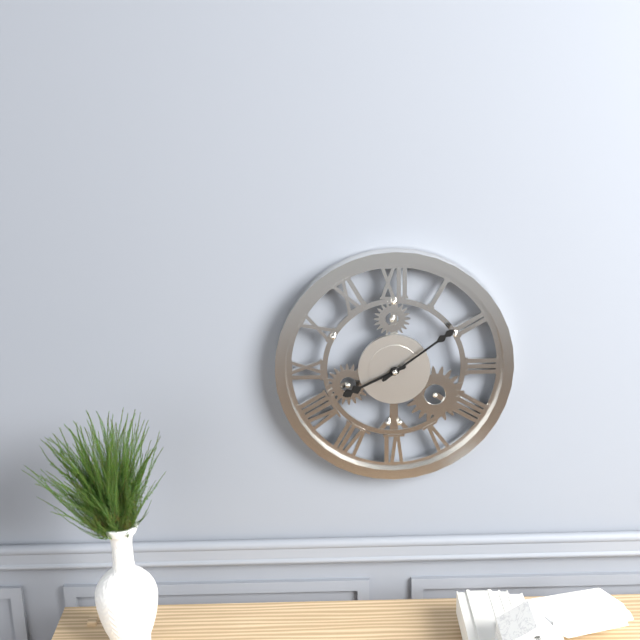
8:09
